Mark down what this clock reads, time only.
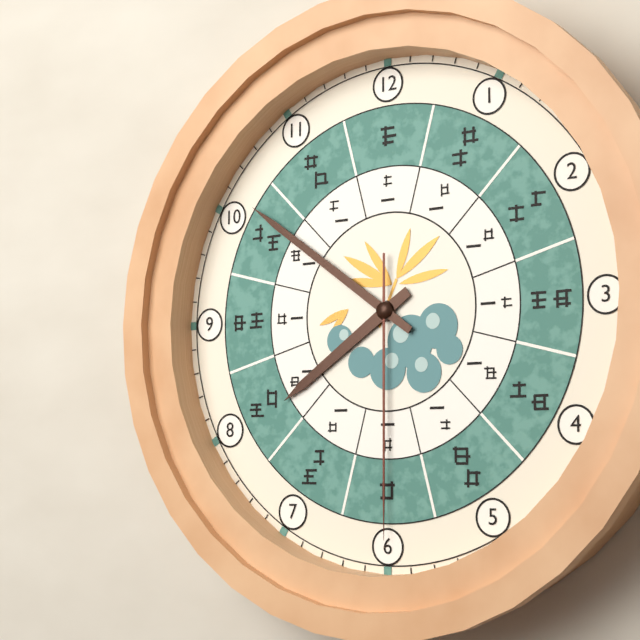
7:51:30
